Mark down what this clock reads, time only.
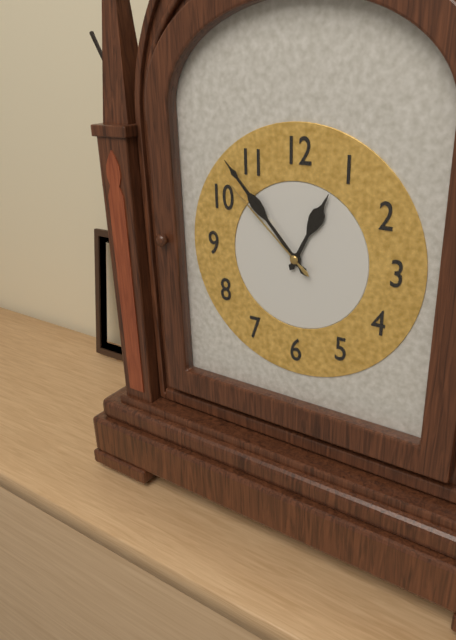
12:53:52
